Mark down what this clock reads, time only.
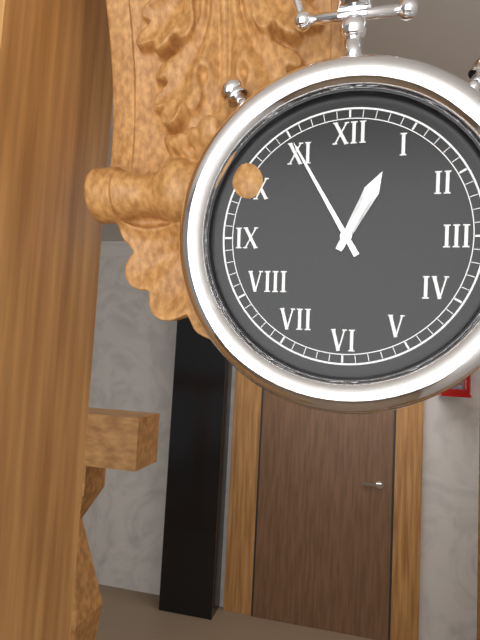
12:55
